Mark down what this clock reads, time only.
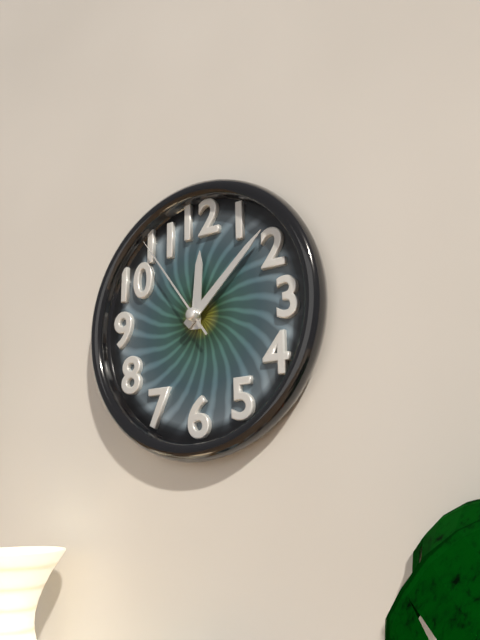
12:08:54
